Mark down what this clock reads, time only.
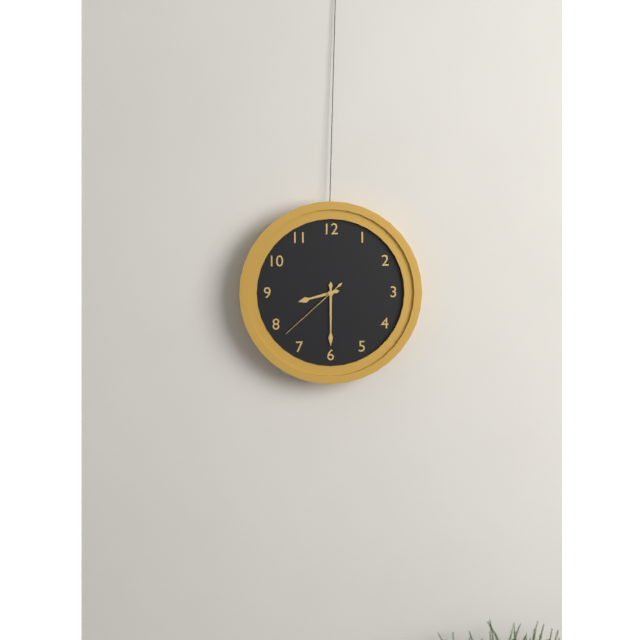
8:30:38
